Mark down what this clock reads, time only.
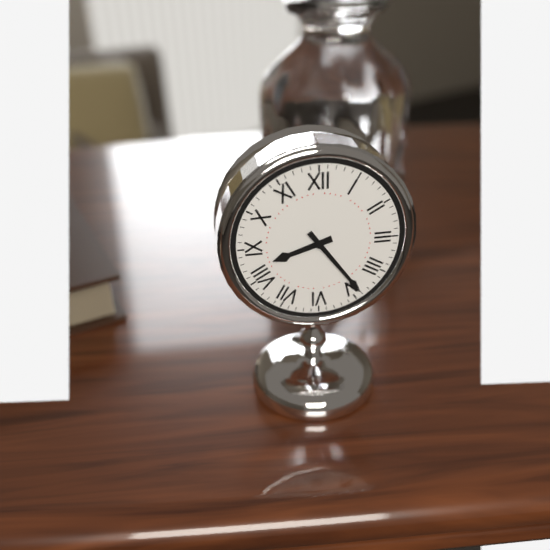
8:24
